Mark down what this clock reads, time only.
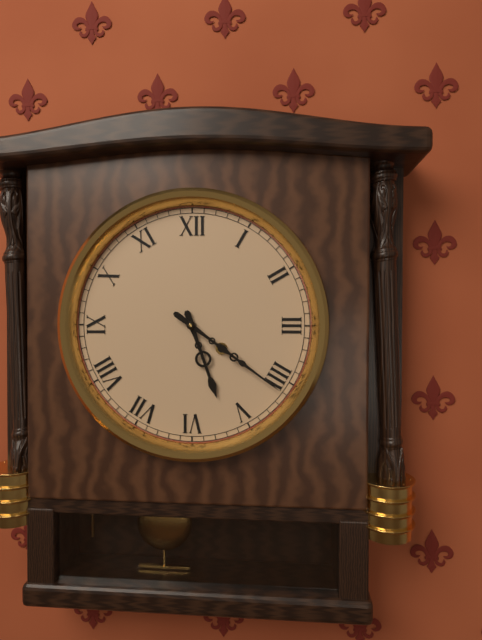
5:21
